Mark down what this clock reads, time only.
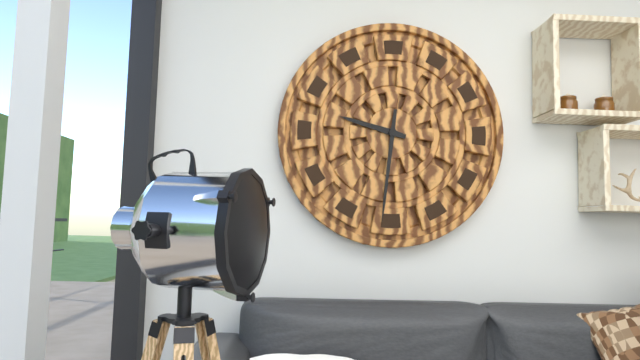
9:31
